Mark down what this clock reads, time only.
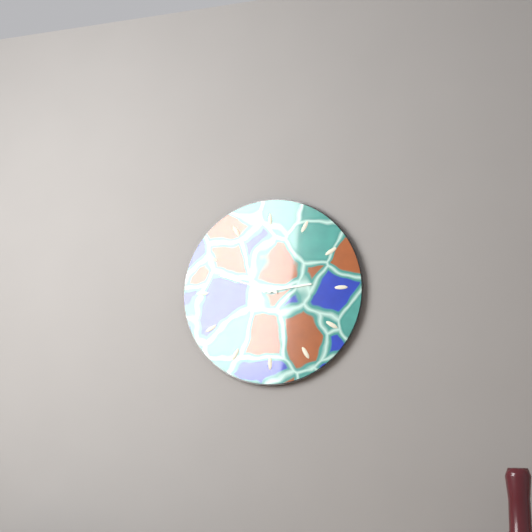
2:48
